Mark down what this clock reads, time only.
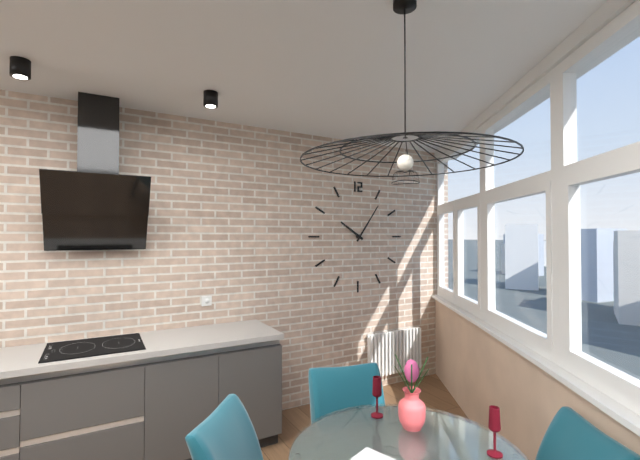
10:06
